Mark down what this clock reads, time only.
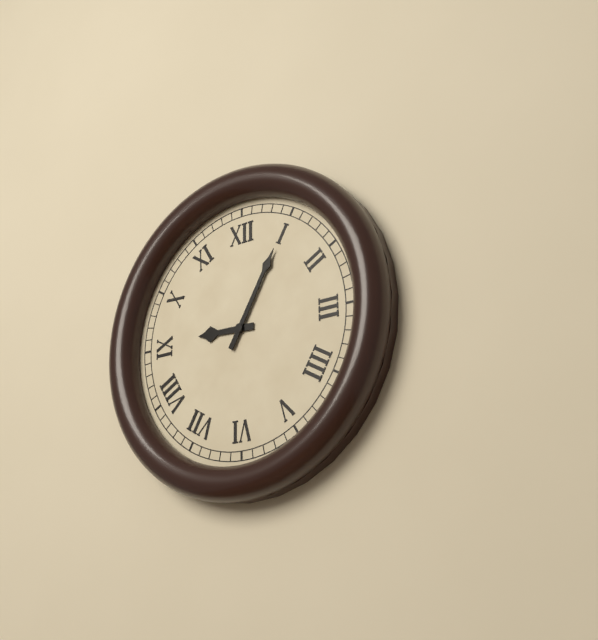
9:05
